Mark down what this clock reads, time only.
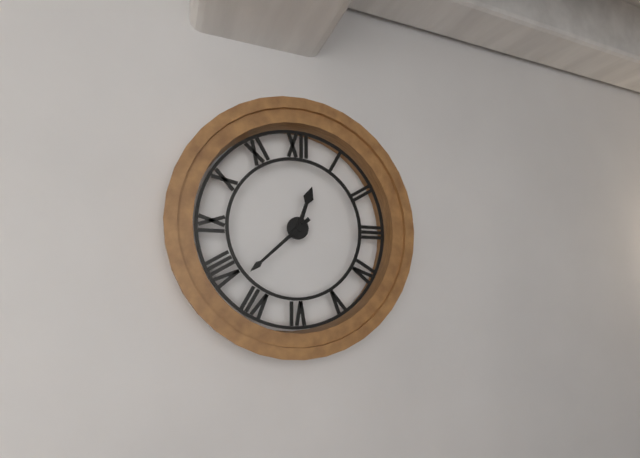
12:38
